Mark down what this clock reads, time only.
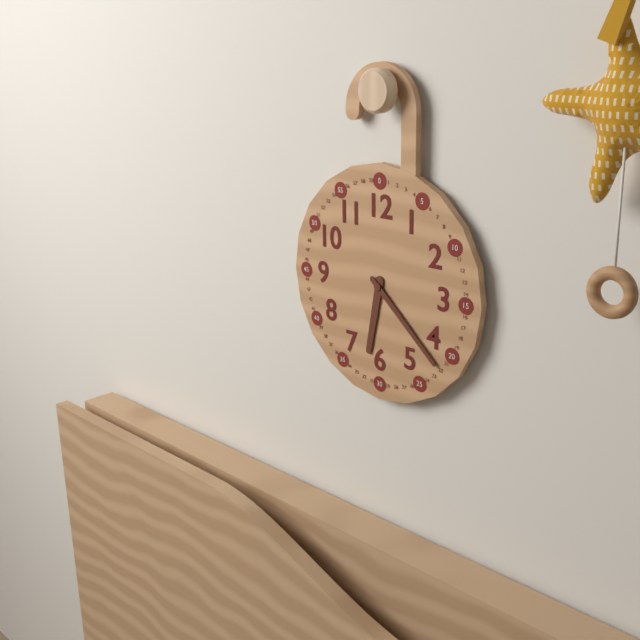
6:22
